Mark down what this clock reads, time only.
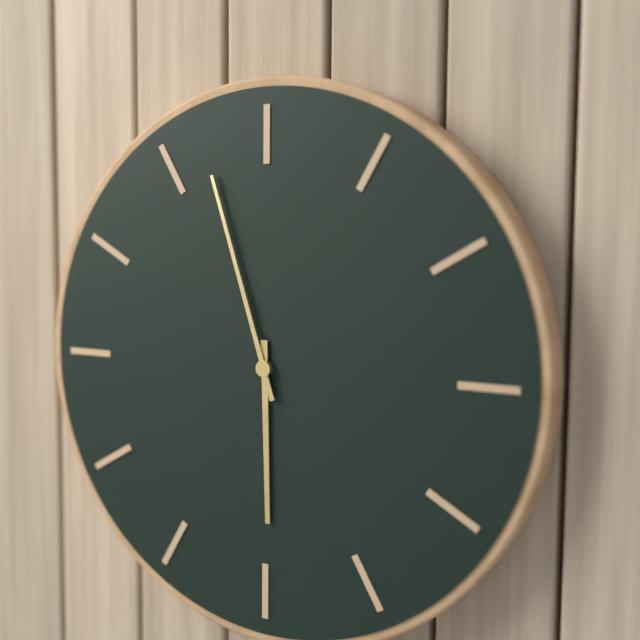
5:57
